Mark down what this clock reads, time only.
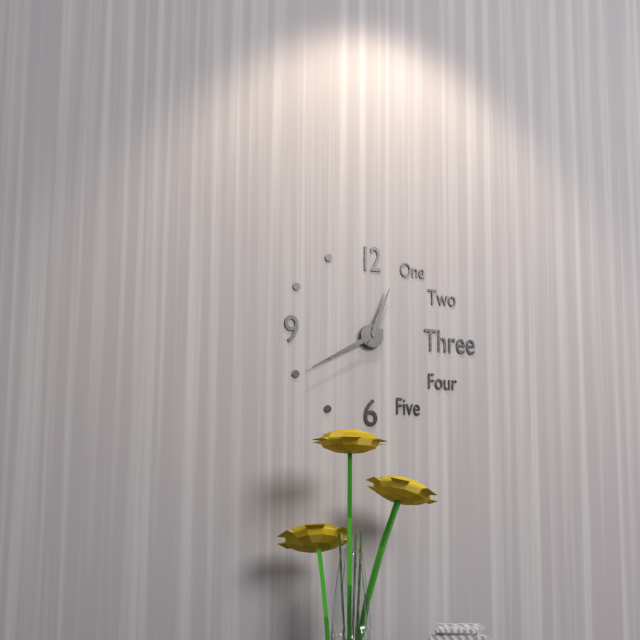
12:40
